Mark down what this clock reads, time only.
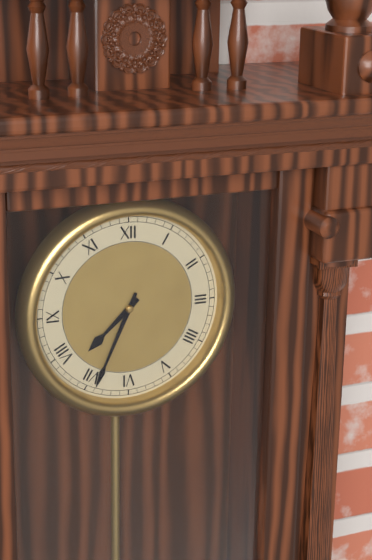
7:34
